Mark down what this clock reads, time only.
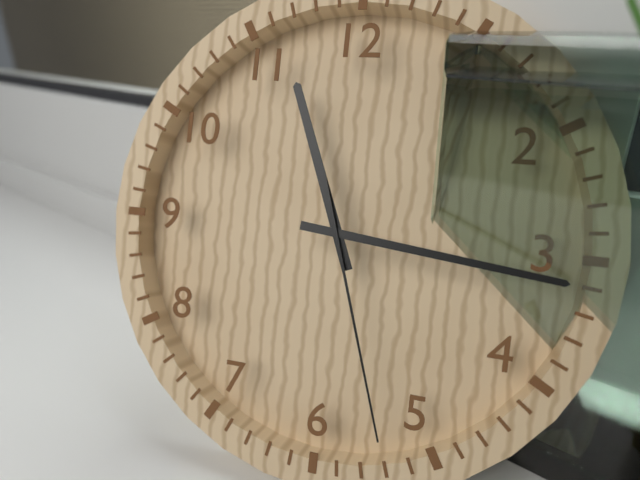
11:16:27
